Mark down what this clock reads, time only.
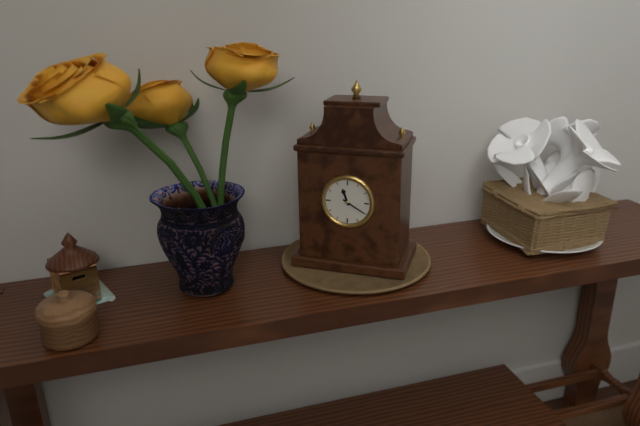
11:20
